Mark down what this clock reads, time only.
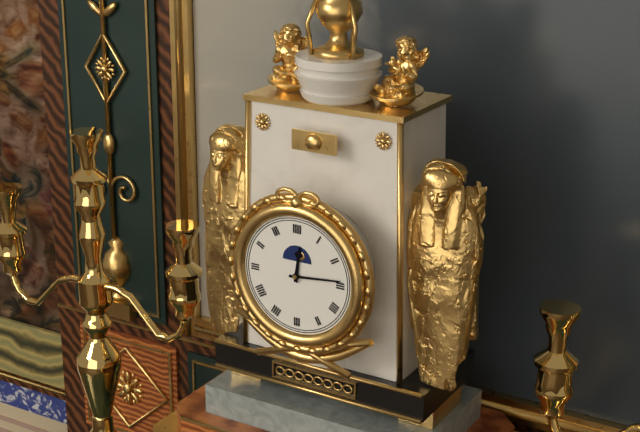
12:14
